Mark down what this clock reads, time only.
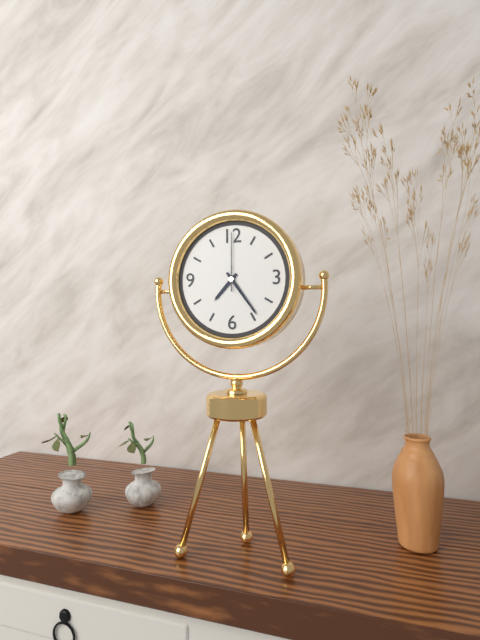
7:24:00
